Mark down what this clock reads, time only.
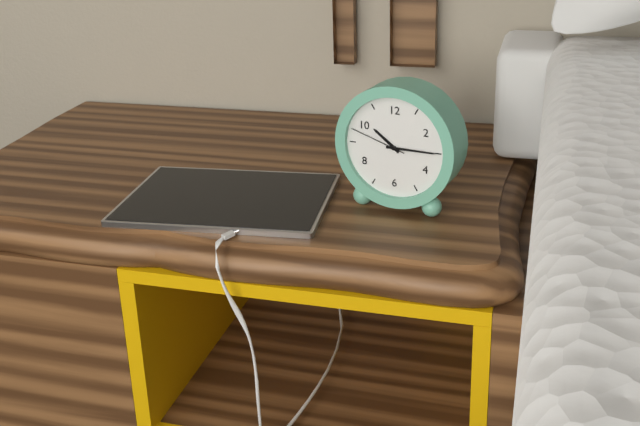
10:15:48
